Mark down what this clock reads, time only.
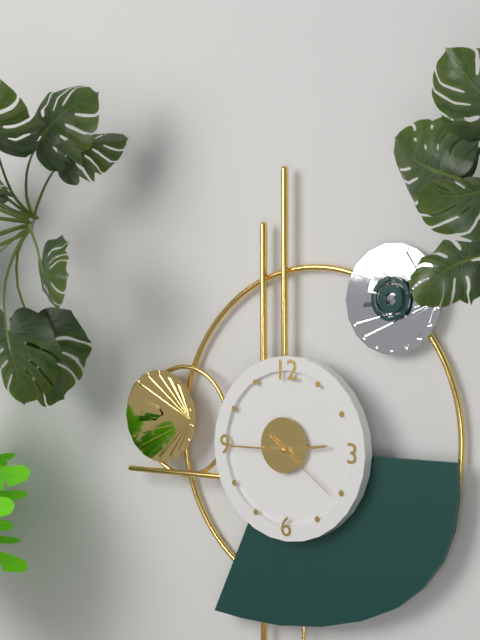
2:45:21
